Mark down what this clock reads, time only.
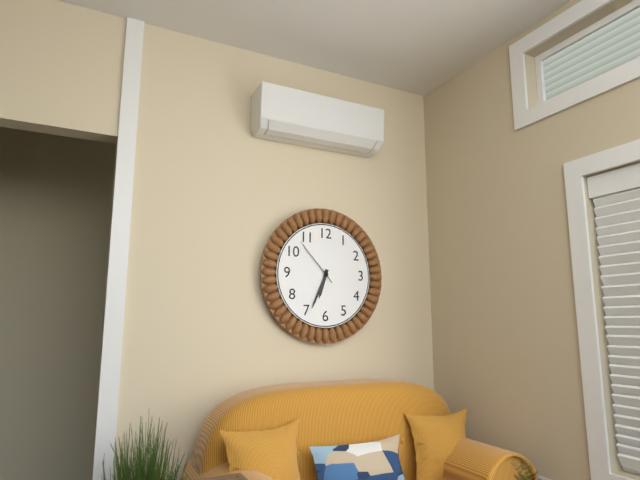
6:34:53
